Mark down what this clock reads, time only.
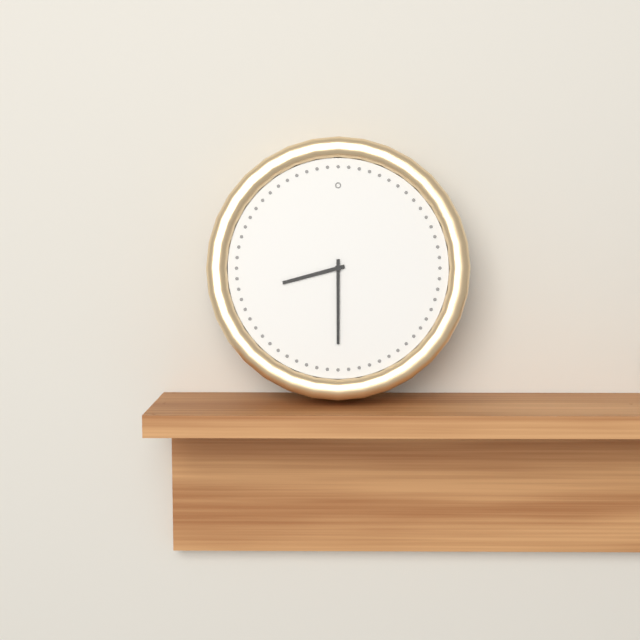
8:30
